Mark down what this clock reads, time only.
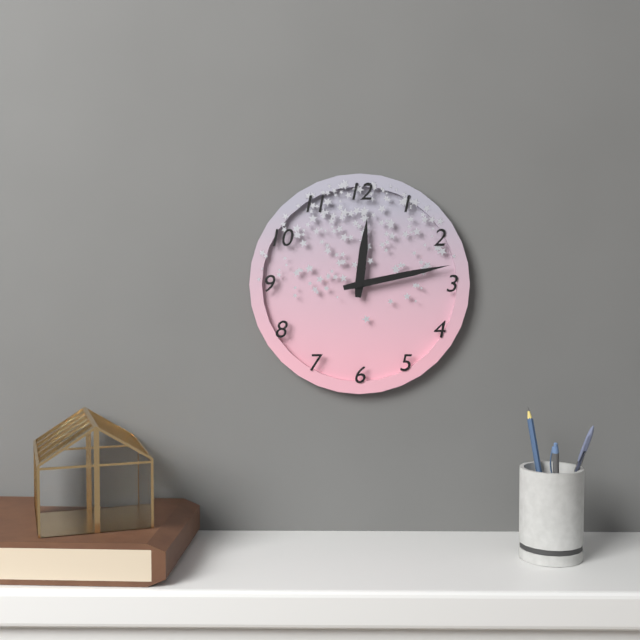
12:13
